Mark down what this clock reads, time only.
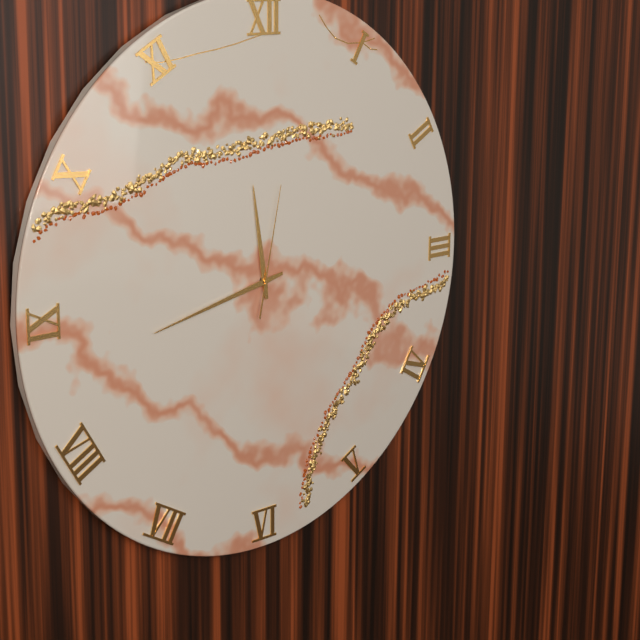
11:43:02
